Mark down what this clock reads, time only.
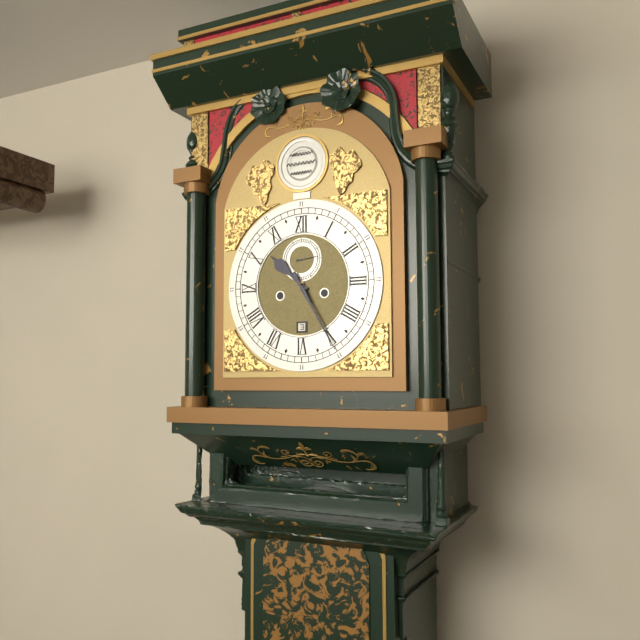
10:25
